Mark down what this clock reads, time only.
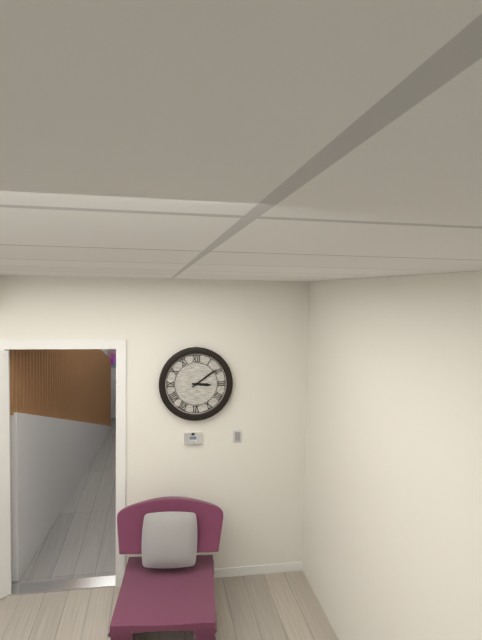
3:09
